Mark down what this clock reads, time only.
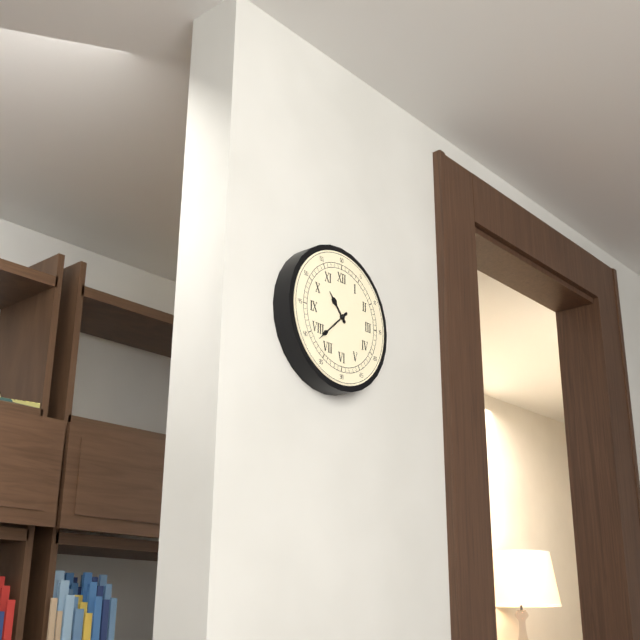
10:38
